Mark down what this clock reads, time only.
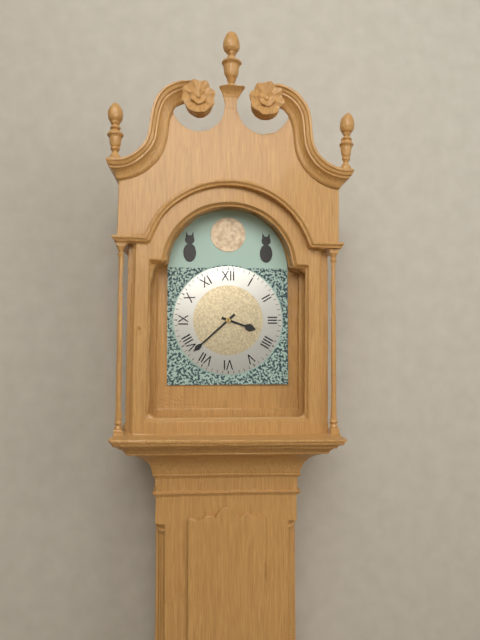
3:38
